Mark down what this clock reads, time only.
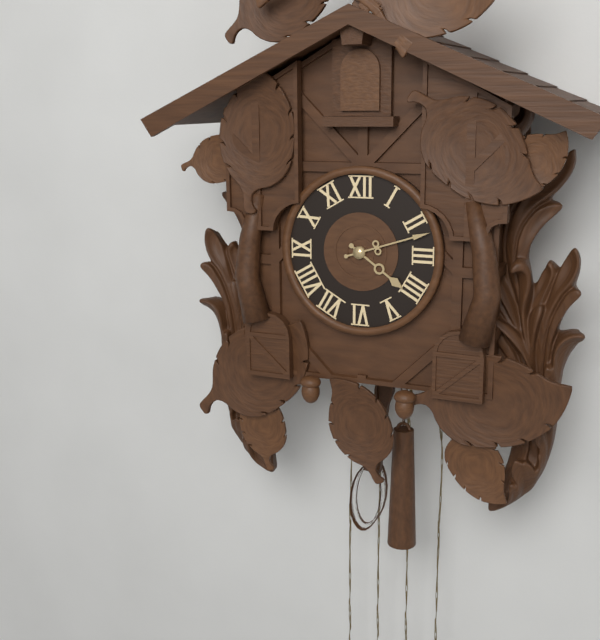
4:12
